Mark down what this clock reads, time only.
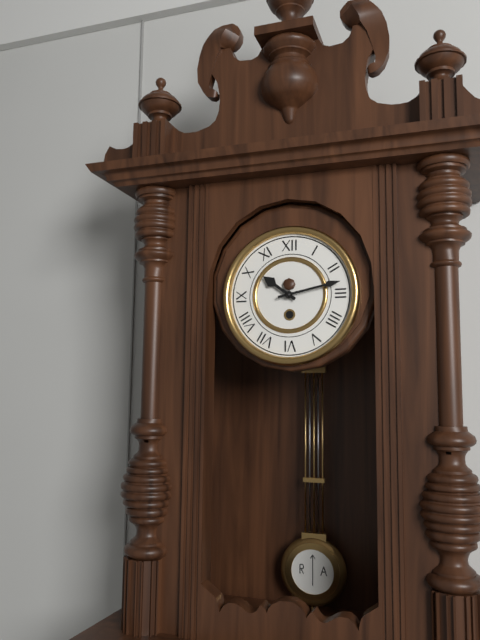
10:13
